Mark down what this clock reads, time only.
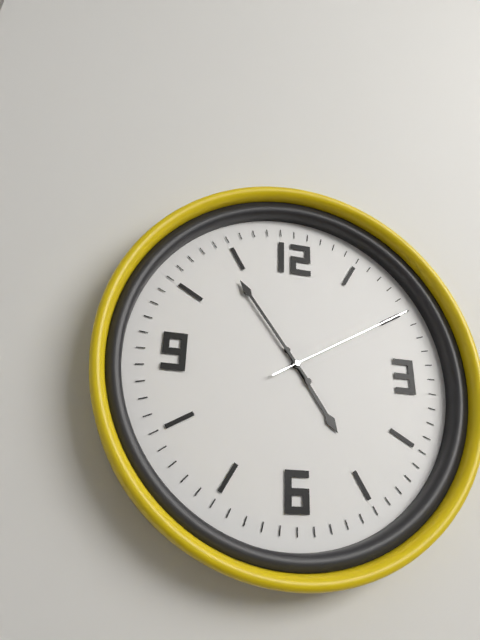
4:54:10
